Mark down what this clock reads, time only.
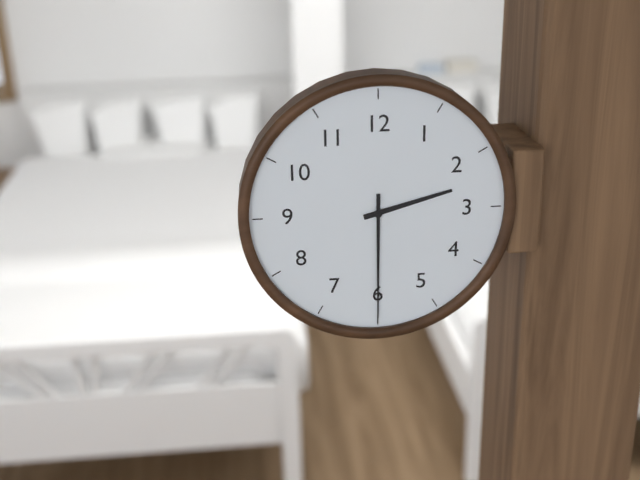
2:30
